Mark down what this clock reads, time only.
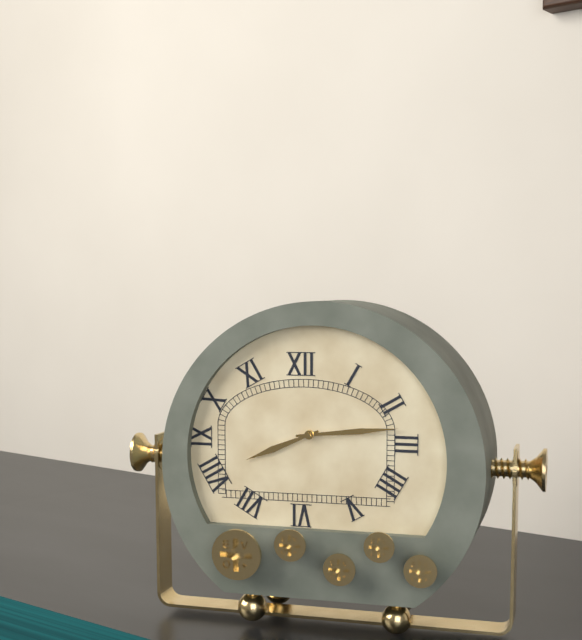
8:14
